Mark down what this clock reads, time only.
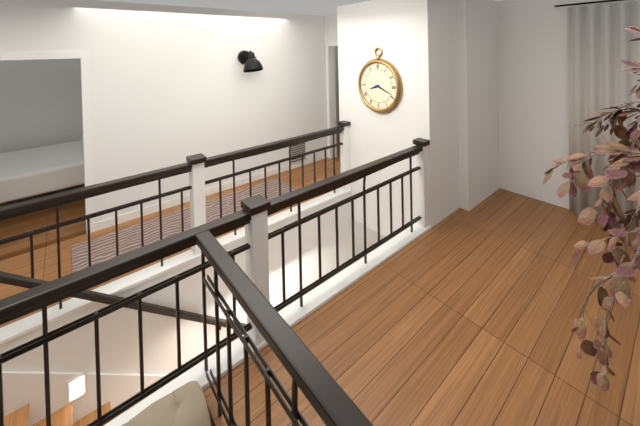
8:19
